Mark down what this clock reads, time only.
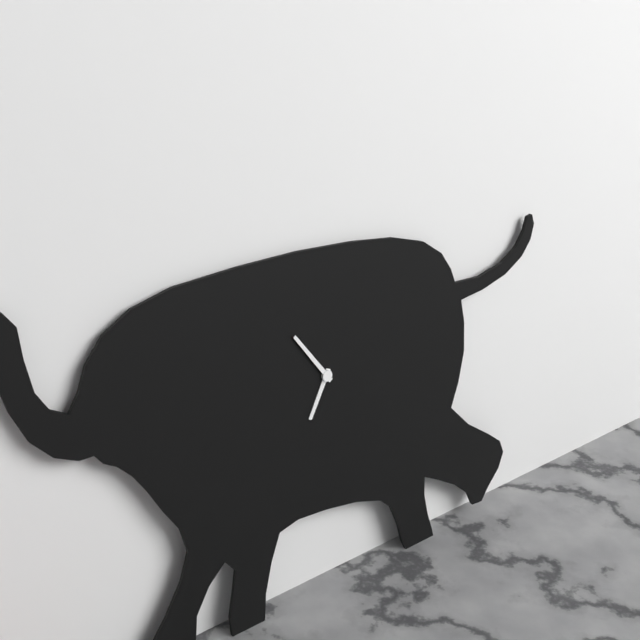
6:54
